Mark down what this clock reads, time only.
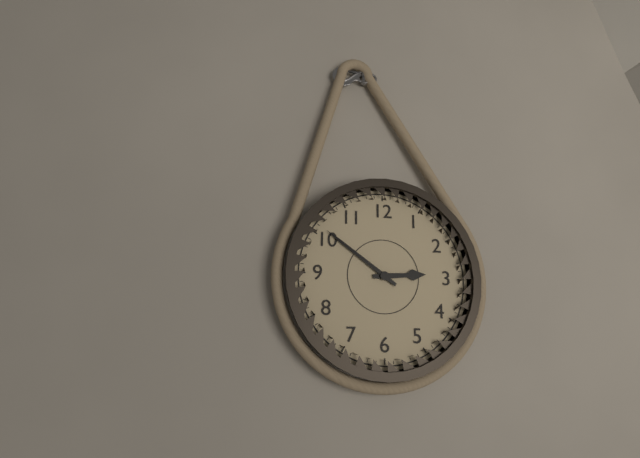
2:51
